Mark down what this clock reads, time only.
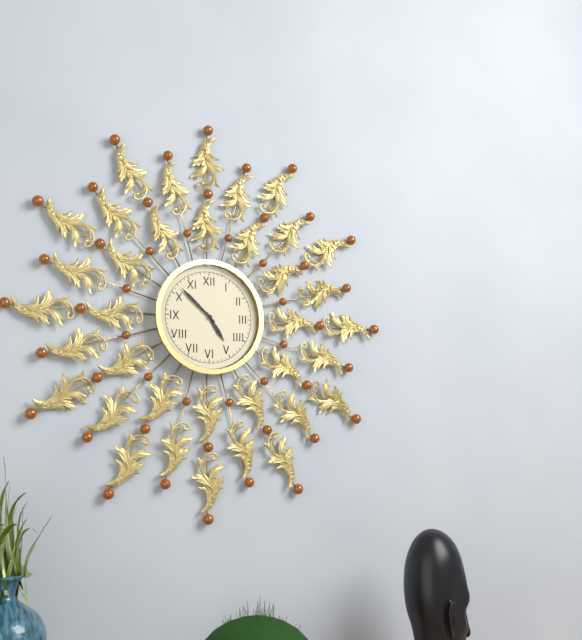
4:52
